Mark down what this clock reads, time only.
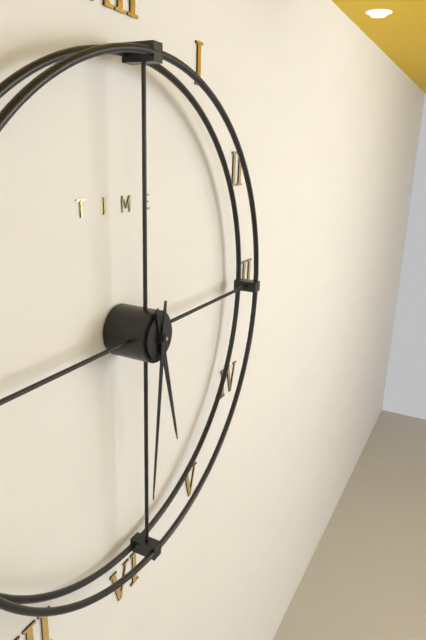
5:31
